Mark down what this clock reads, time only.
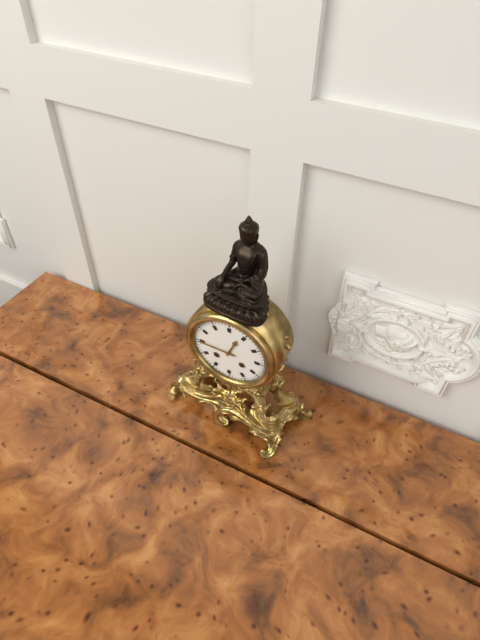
12:45
